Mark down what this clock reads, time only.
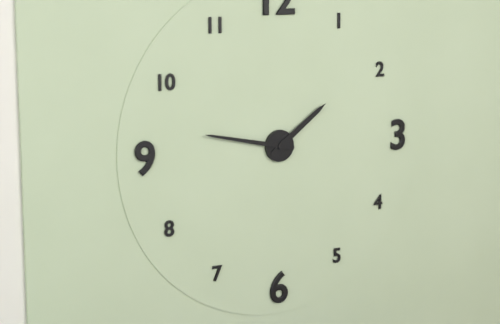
1:47
